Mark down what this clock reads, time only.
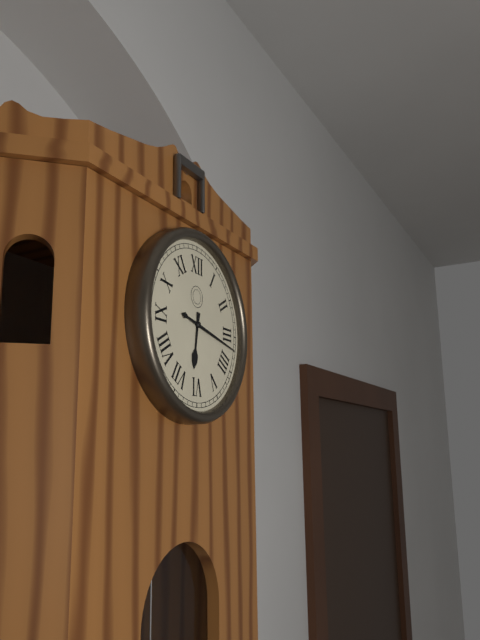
6:17
